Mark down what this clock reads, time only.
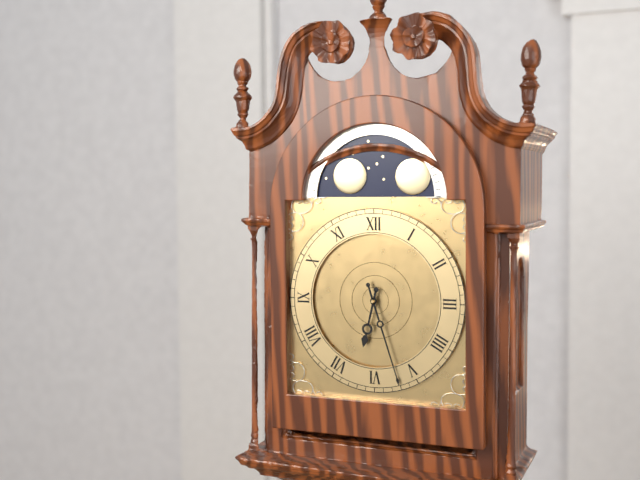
6:27
